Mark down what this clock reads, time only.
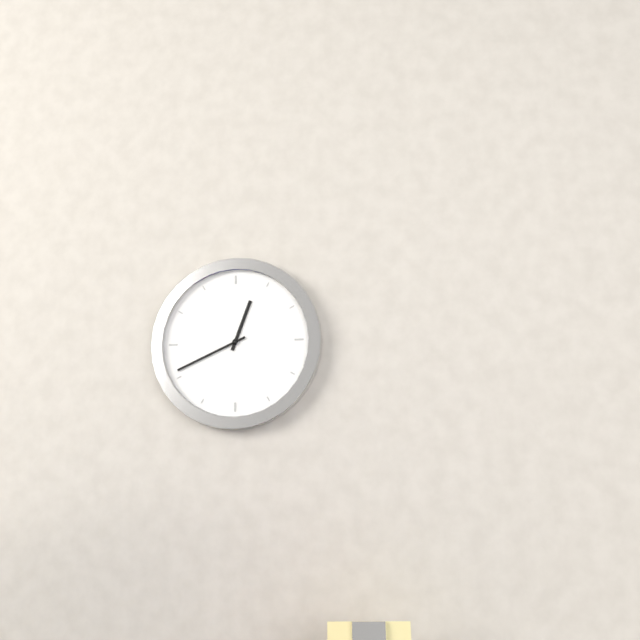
12:41
